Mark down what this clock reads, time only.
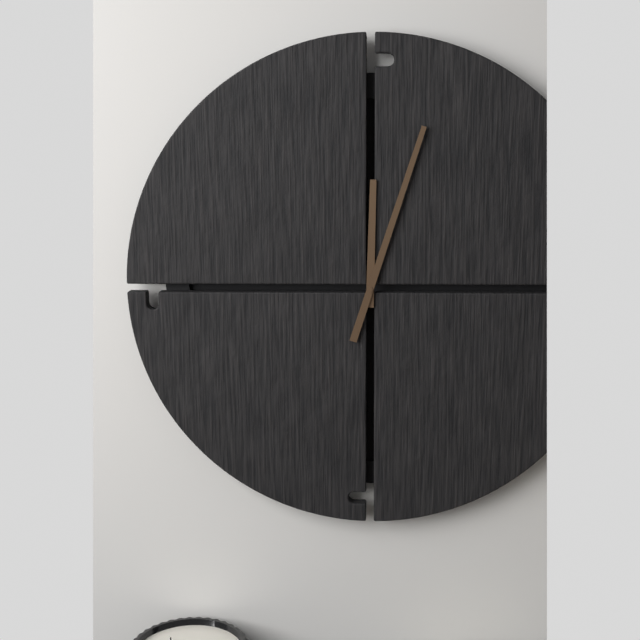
12:03
